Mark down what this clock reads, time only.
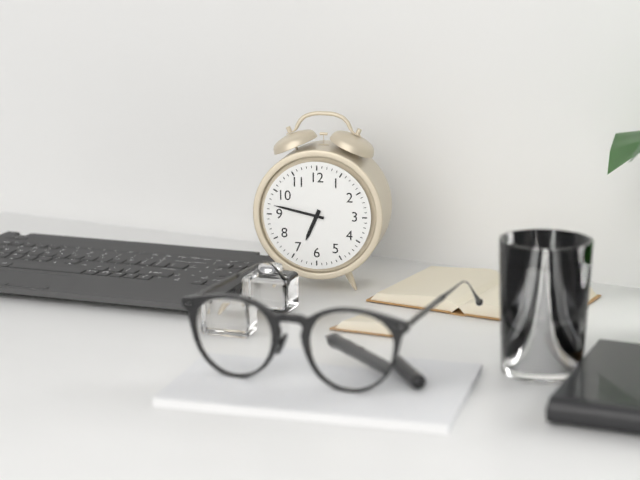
6:47
